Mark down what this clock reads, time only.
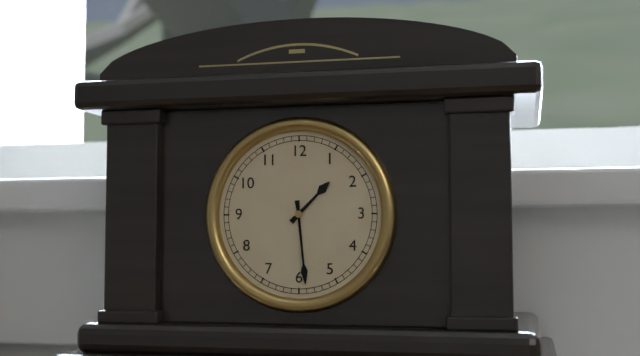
1:29
